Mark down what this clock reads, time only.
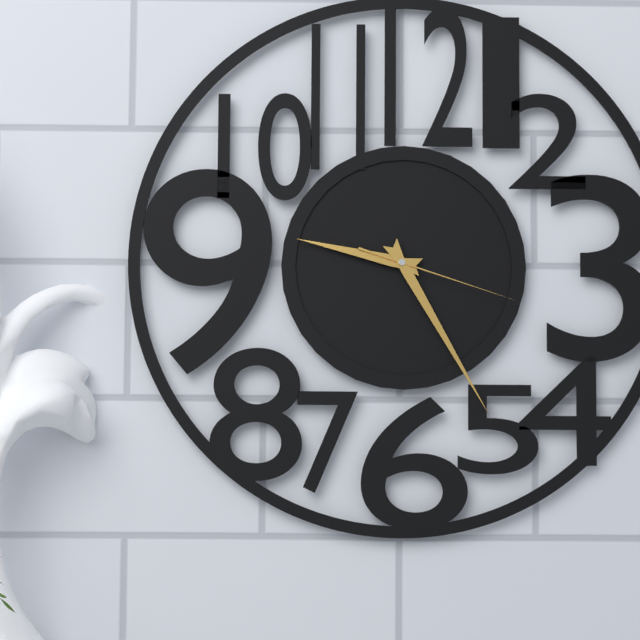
9:25:18
